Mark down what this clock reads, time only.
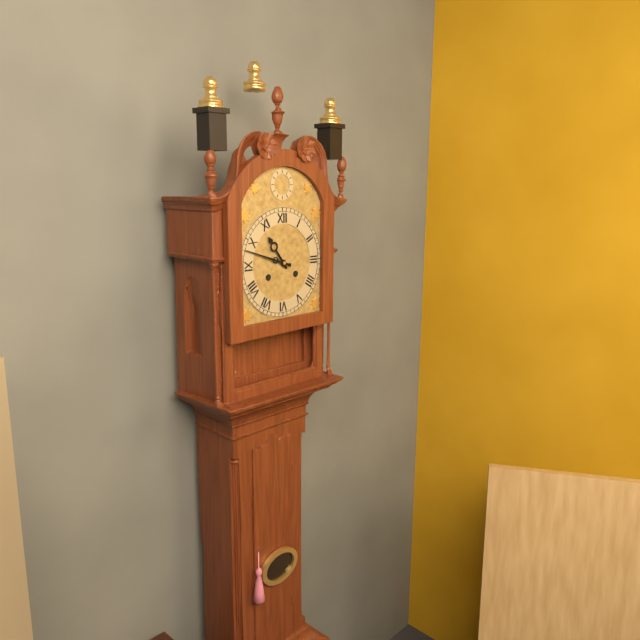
10:48
